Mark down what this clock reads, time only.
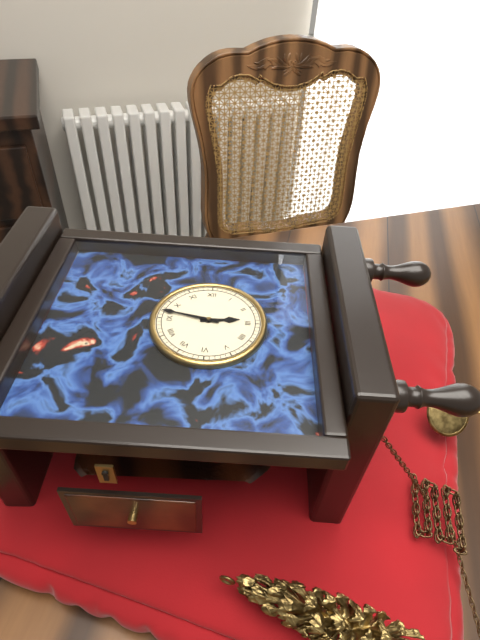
2:47
